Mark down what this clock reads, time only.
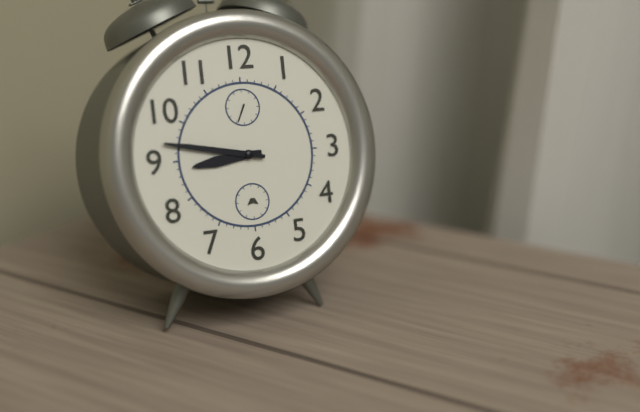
8:47
